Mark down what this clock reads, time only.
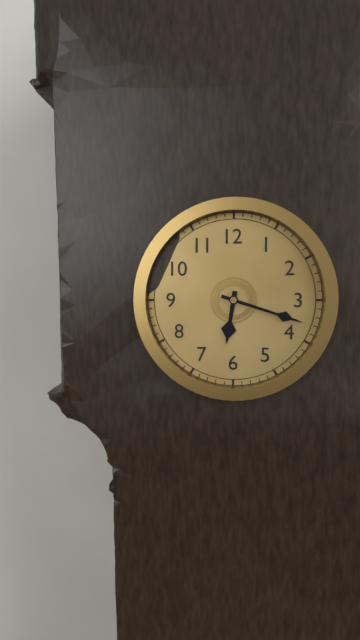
6:18
